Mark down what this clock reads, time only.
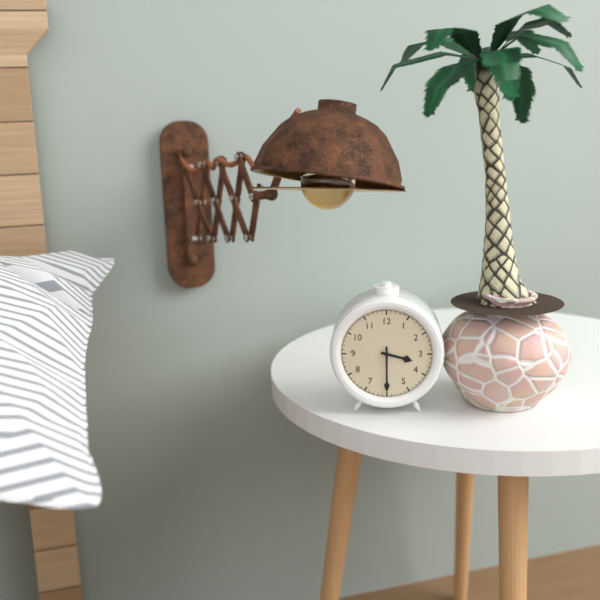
3:30
